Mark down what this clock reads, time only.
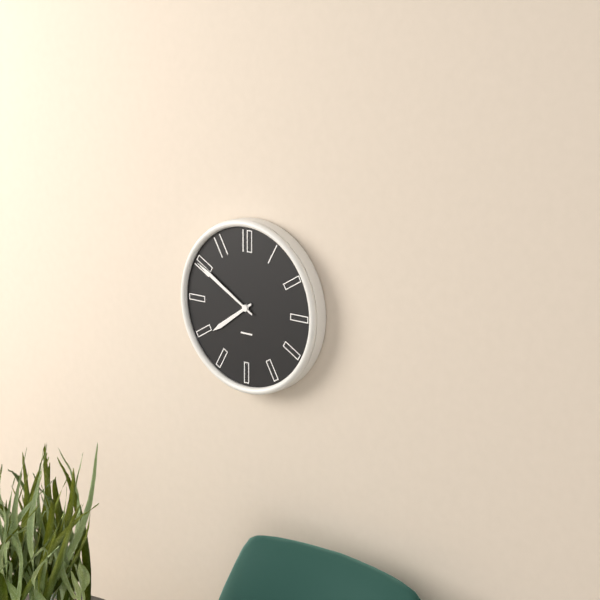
7:50
